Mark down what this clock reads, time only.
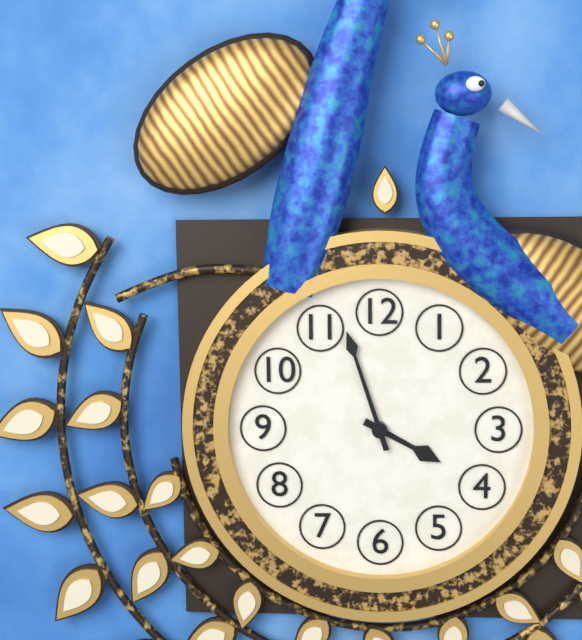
3:57
